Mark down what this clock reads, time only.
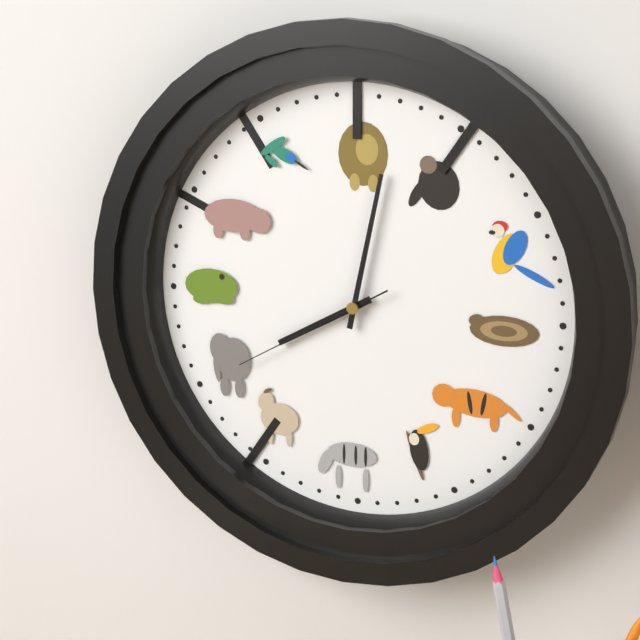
8:02:40
